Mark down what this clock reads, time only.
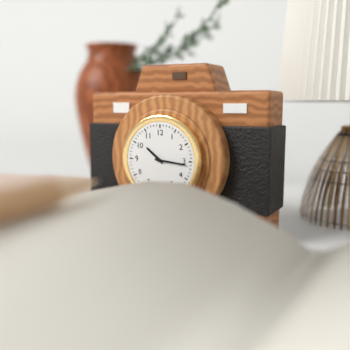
10:16
